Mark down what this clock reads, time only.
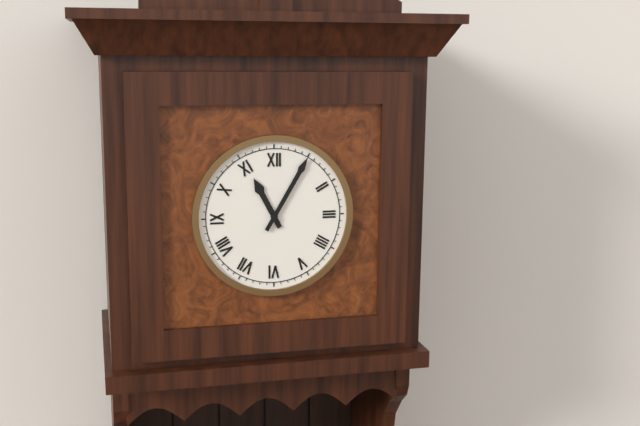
11:05
